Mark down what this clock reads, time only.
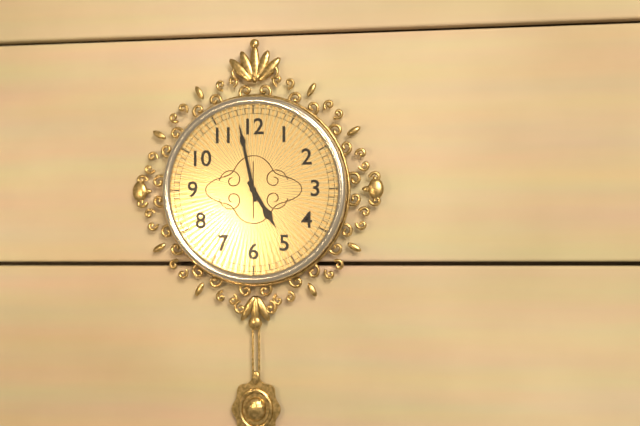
4:58
